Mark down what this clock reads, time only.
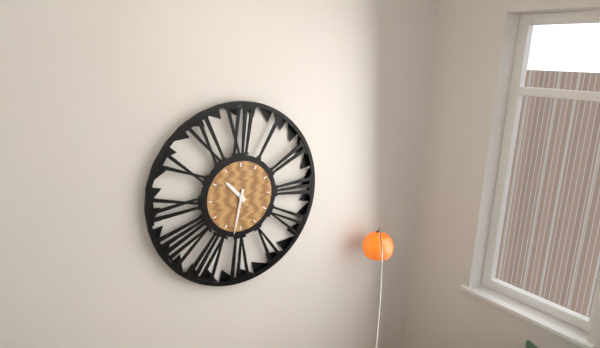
10:32
